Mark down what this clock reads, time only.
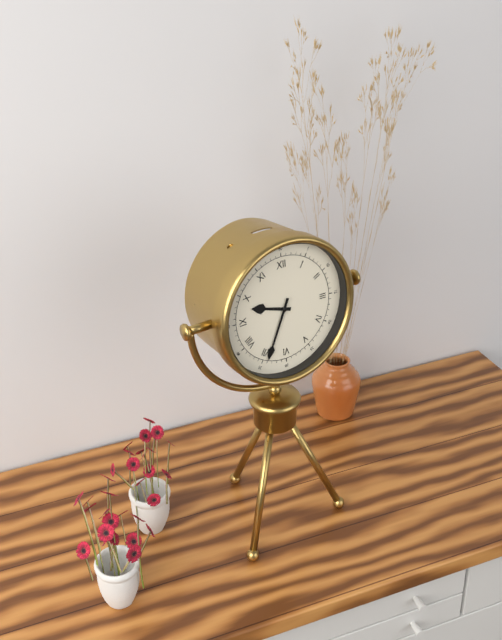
9:34
